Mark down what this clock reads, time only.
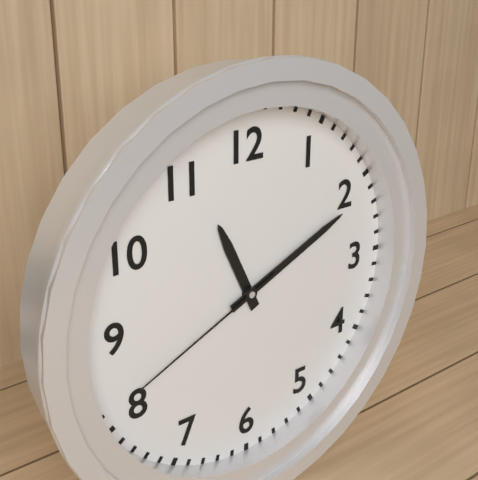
11:11:41
